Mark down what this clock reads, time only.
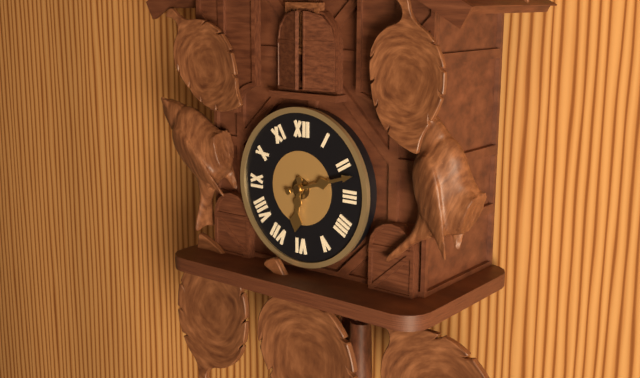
6:12
